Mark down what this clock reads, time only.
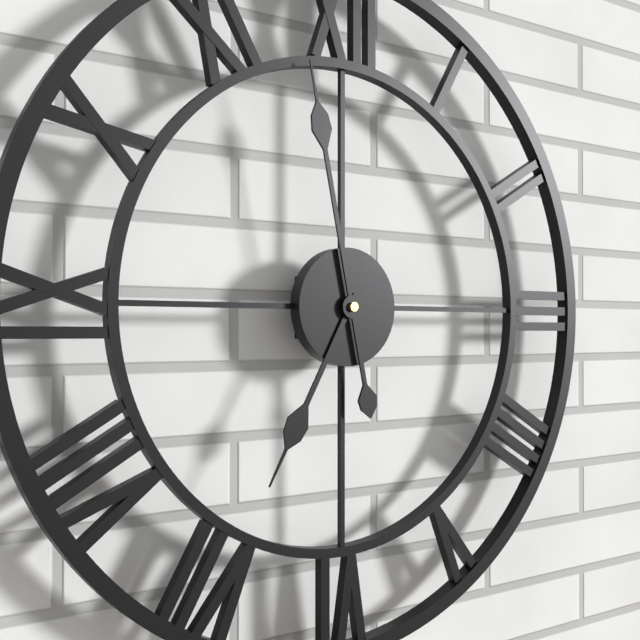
6:58
